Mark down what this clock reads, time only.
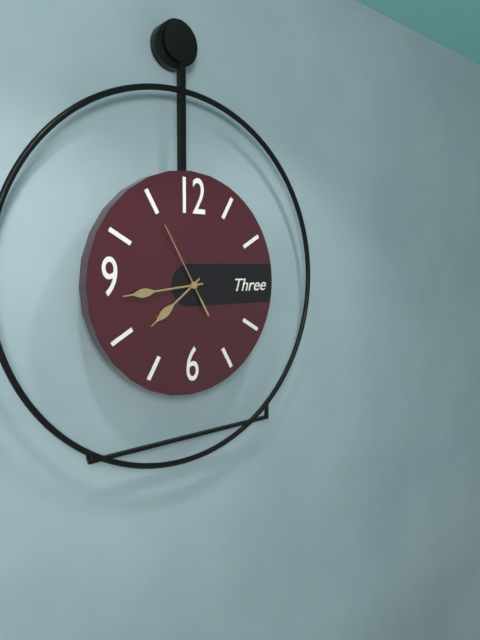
7:44:55
